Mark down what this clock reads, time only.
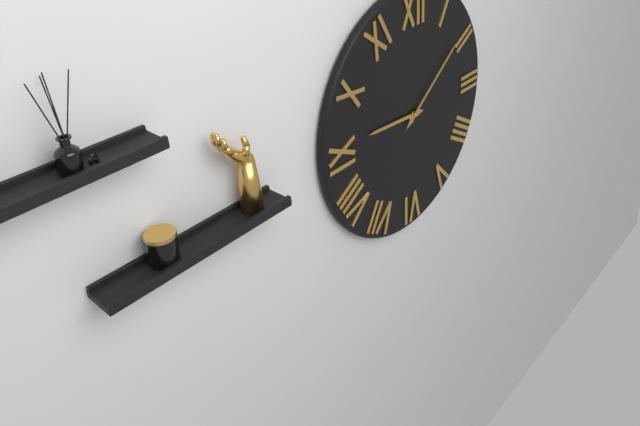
9:09
